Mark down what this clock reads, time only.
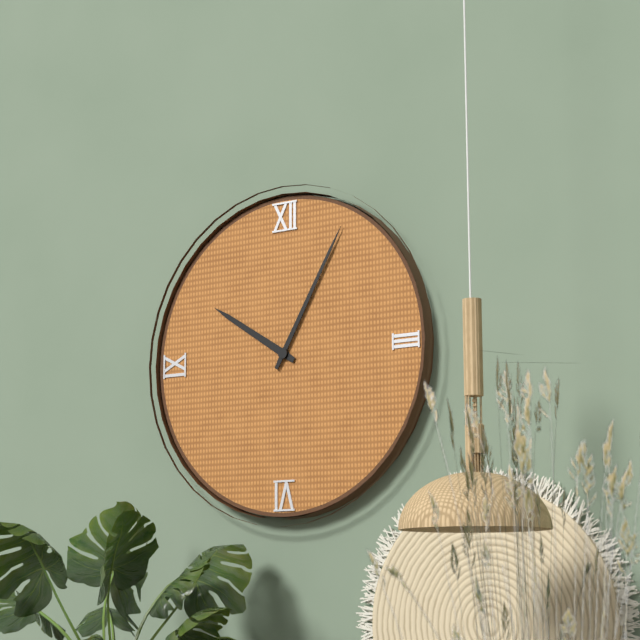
10:05
